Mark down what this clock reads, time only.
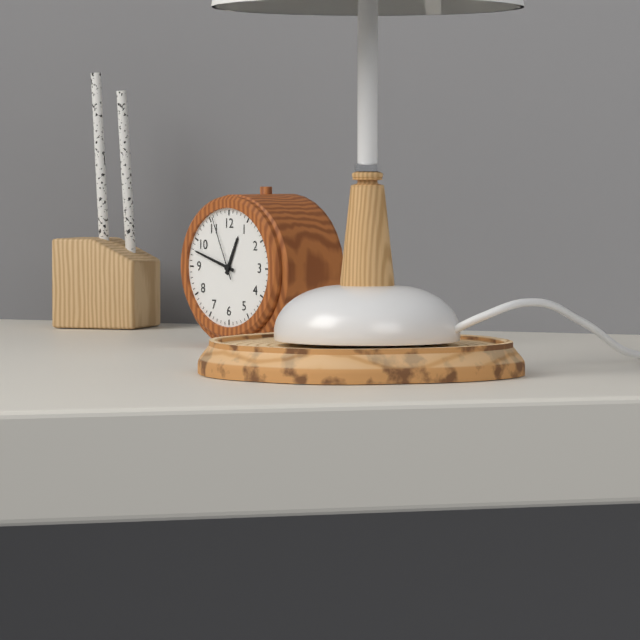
12:48:56
